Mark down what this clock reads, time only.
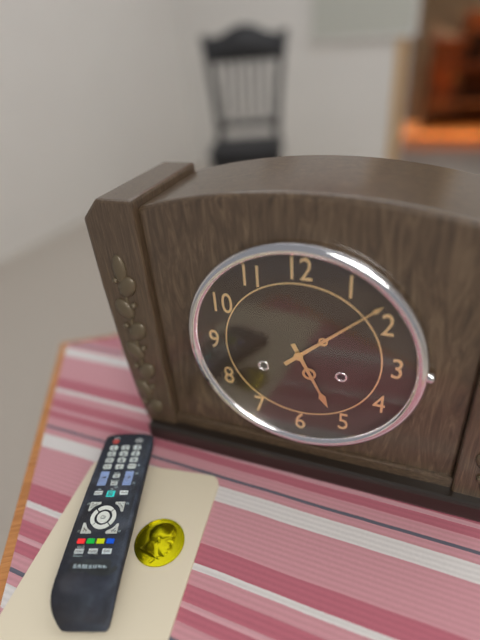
5:08
